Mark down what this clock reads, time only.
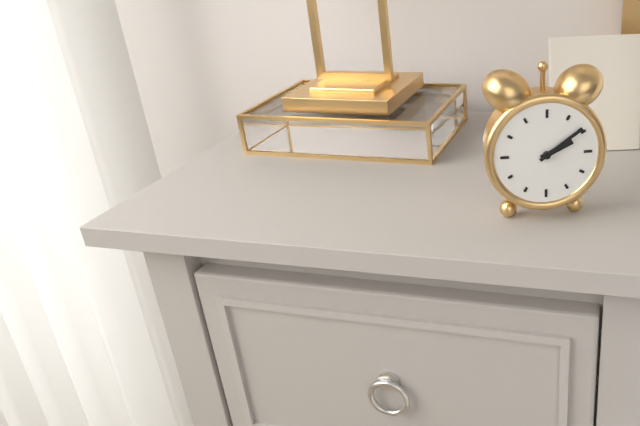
2:09
